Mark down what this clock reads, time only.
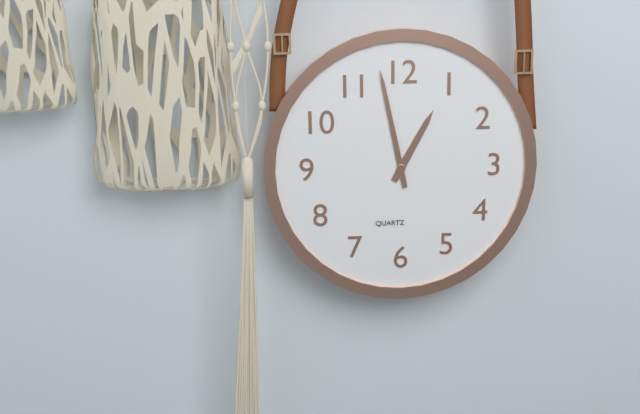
12:58
